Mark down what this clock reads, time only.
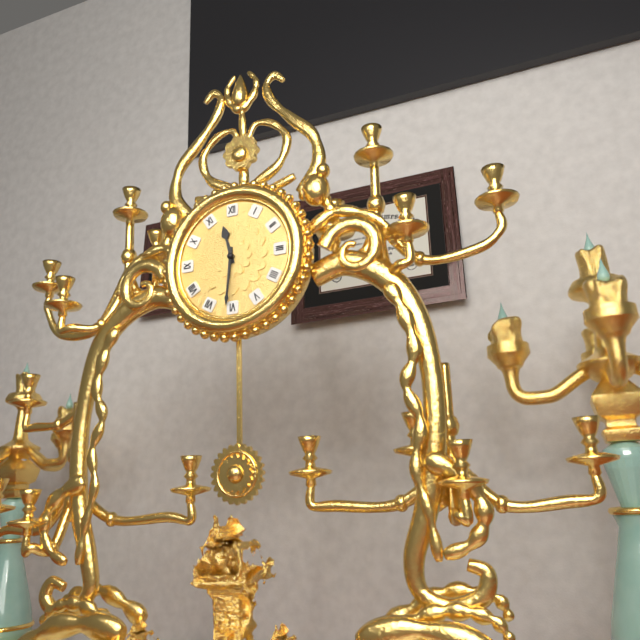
11:31
